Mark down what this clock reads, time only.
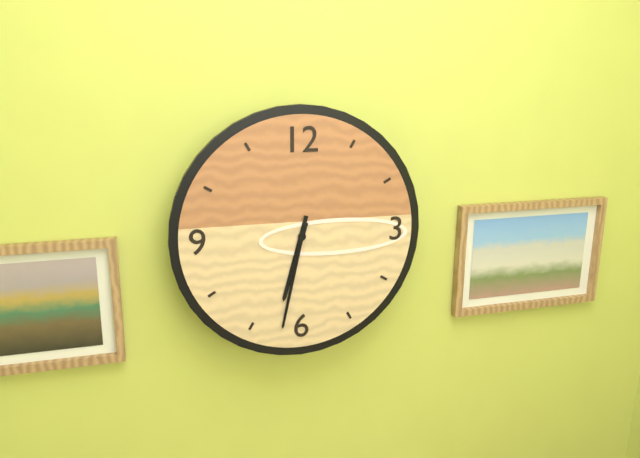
6:32
